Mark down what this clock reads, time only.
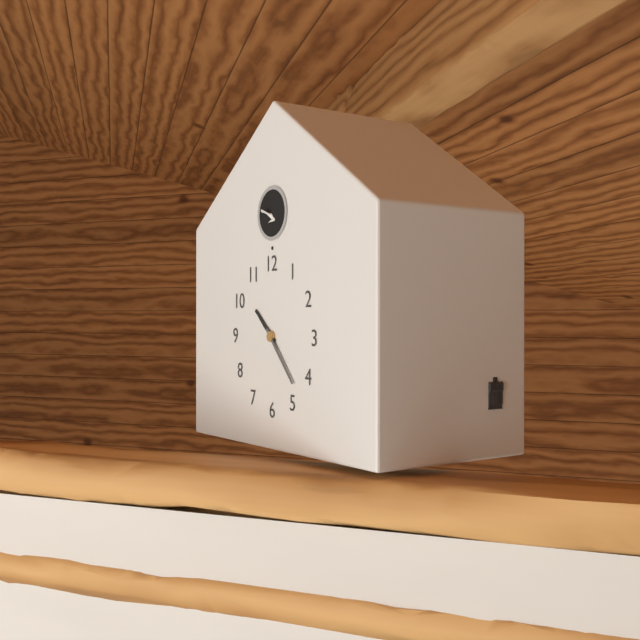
10:23
